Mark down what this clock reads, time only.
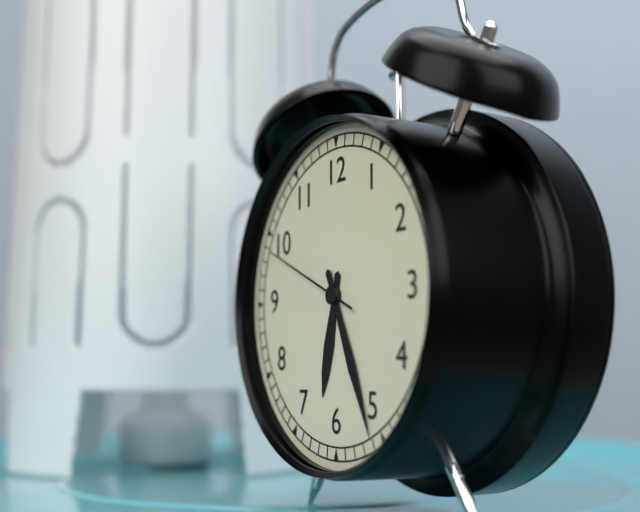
6:26:49
